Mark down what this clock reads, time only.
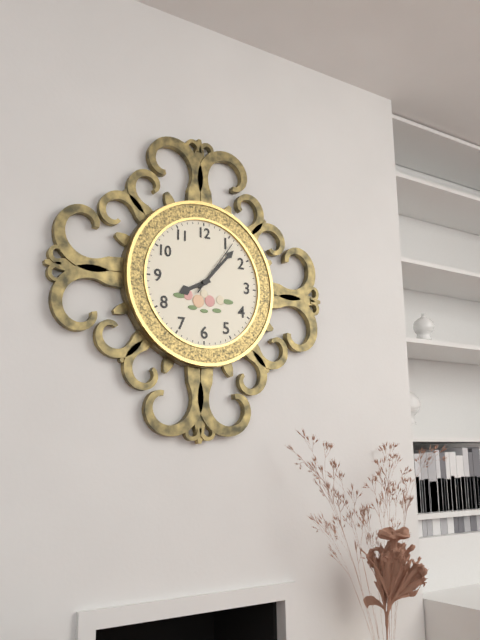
8:07:06
